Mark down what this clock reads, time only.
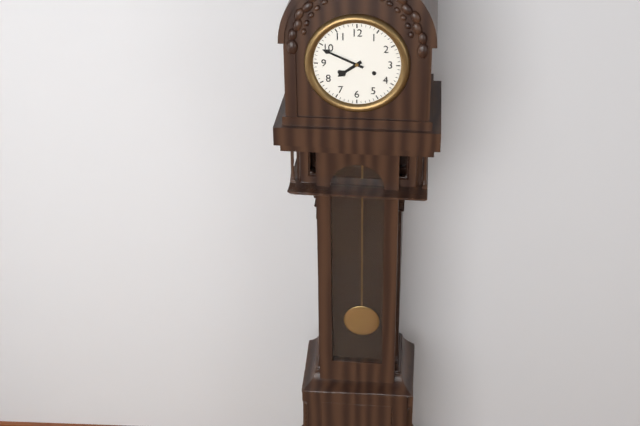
7:49
